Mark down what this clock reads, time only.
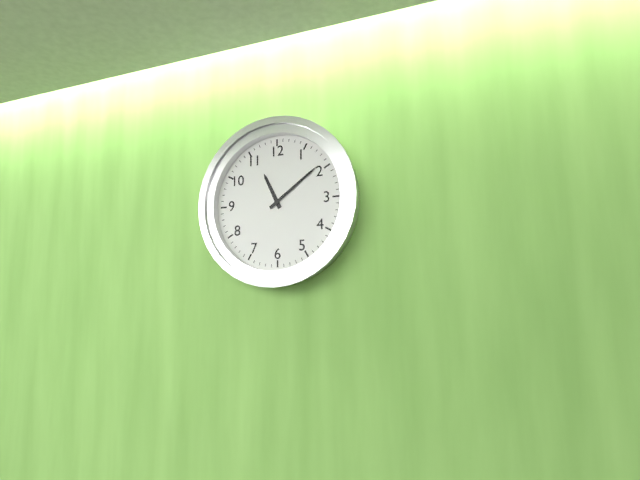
11:09
